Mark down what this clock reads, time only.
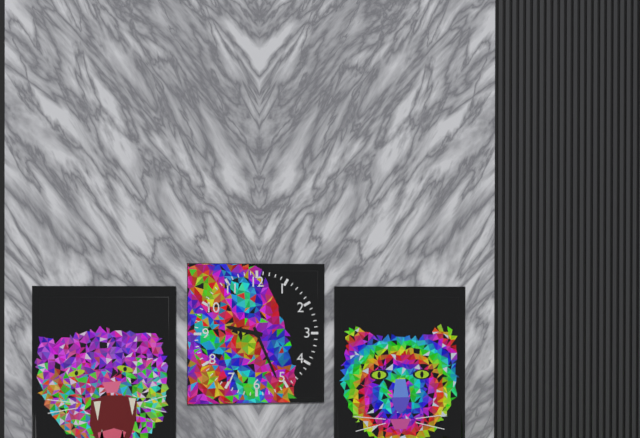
9:26
